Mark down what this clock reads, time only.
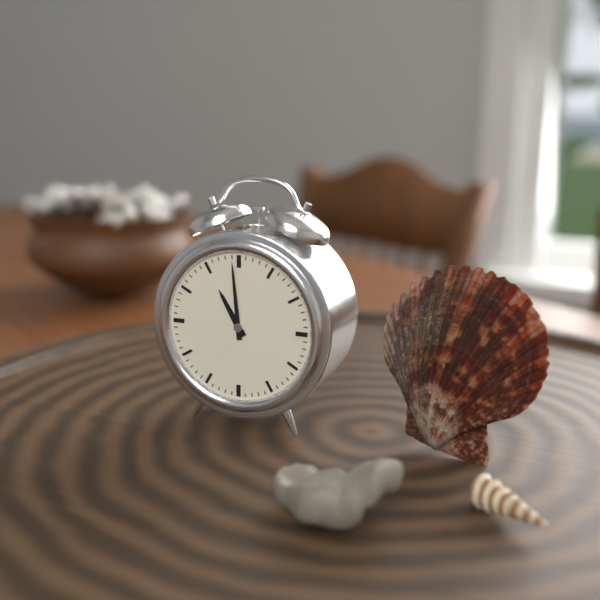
10:59
